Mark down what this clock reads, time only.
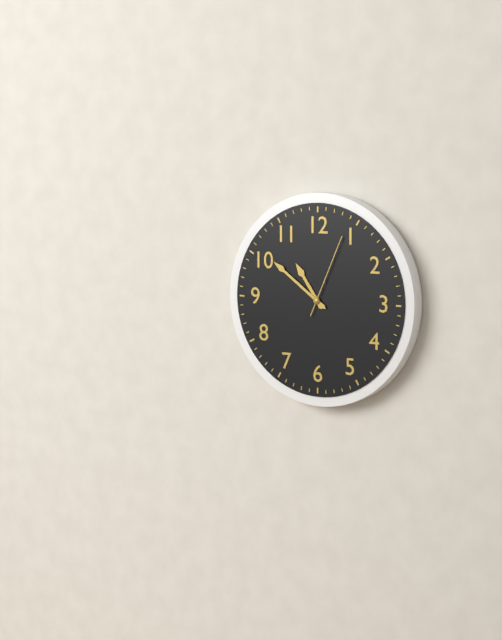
10:51:04
